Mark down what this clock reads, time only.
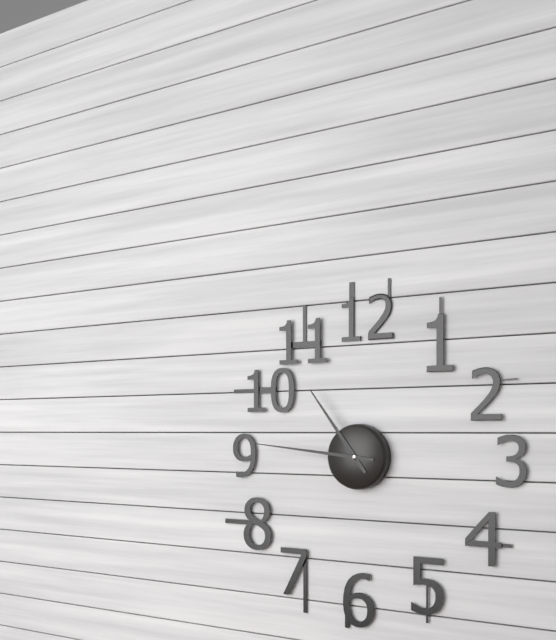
10:46
